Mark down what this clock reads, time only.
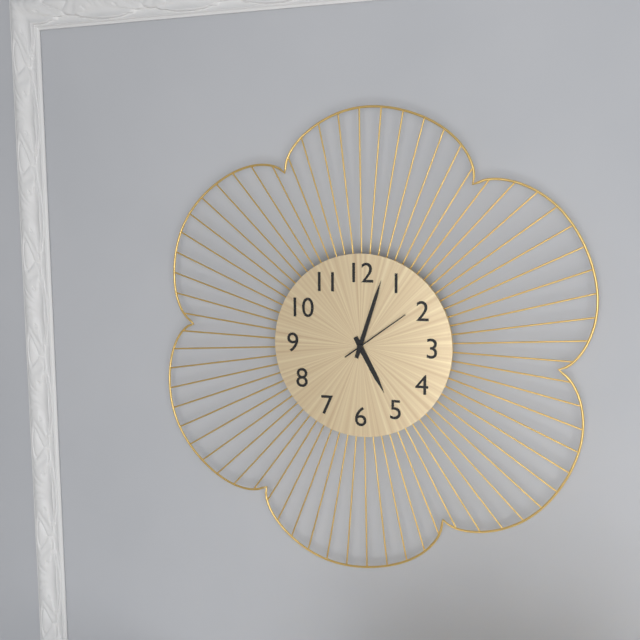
5:03:09
